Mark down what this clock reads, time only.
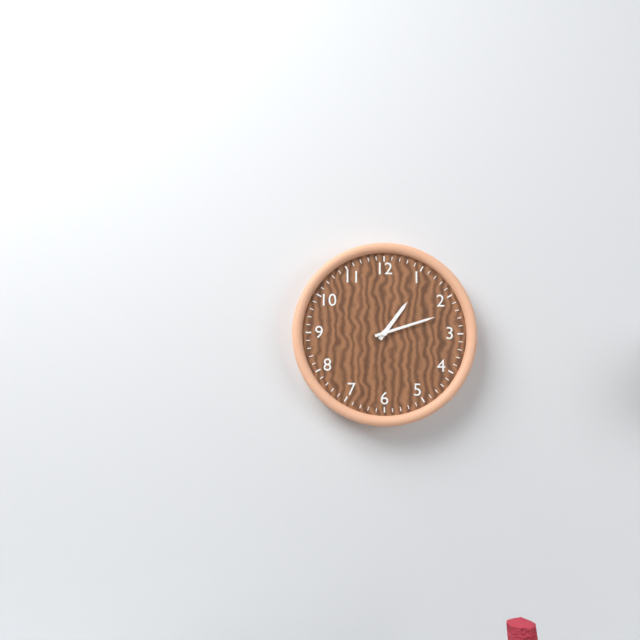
1:12
